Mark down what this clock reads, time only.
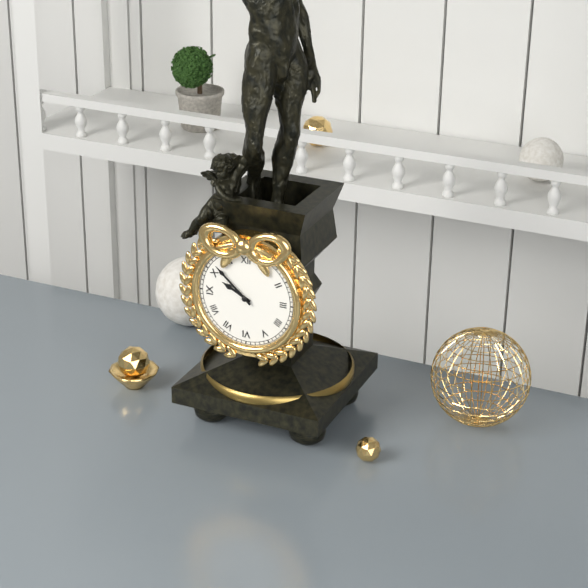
9:52
